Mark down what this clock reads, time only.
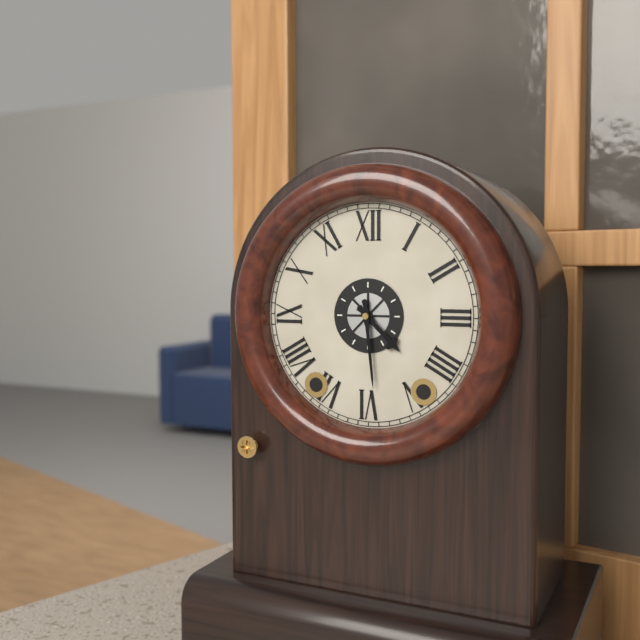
4:29
